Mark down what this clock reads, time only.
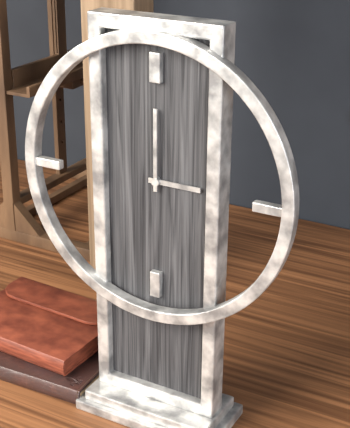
3:00
